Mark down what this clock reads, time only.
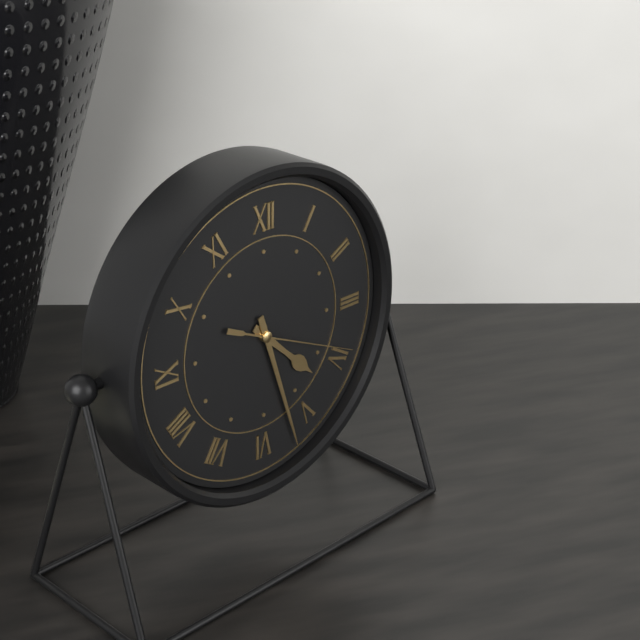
4:27:19
